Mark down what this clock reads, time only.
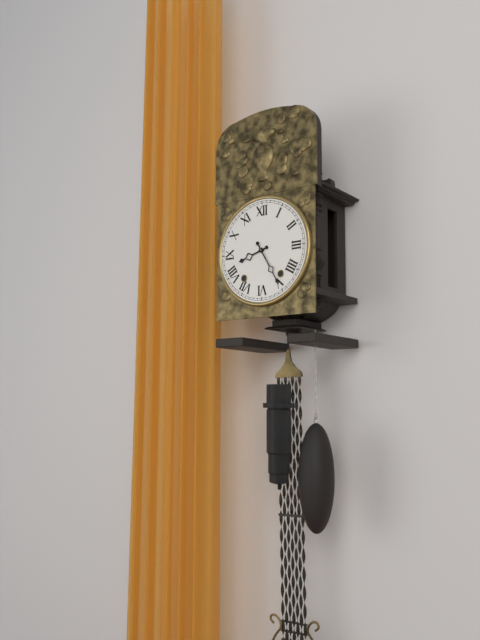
8:25
